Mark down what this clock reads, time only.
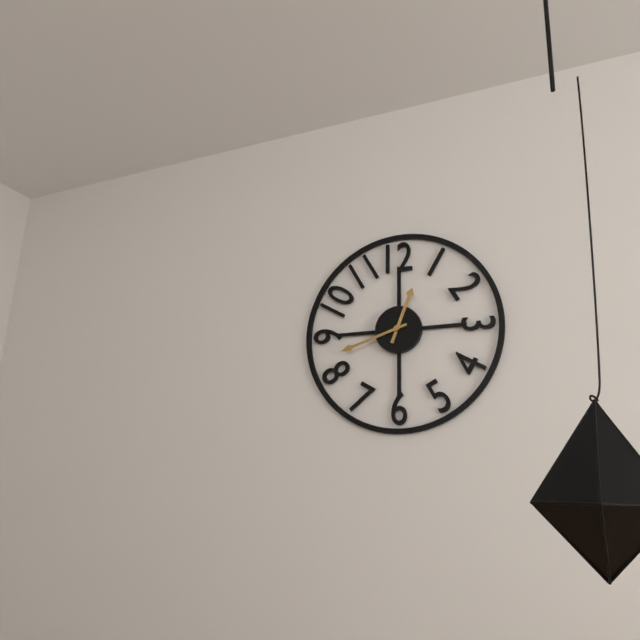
12:42
